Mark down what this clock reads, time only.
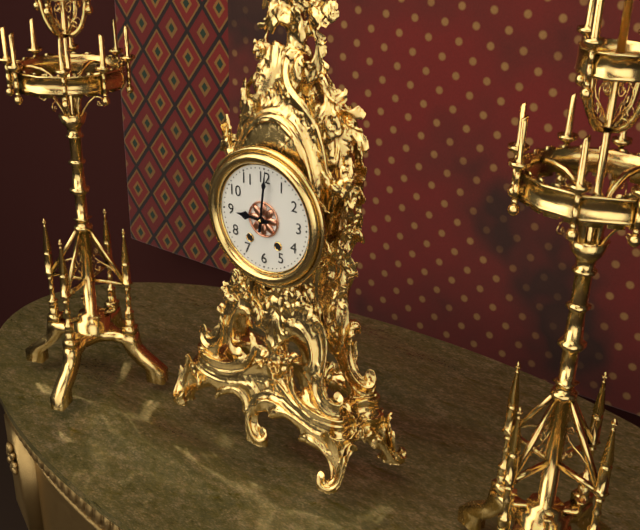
9:01
